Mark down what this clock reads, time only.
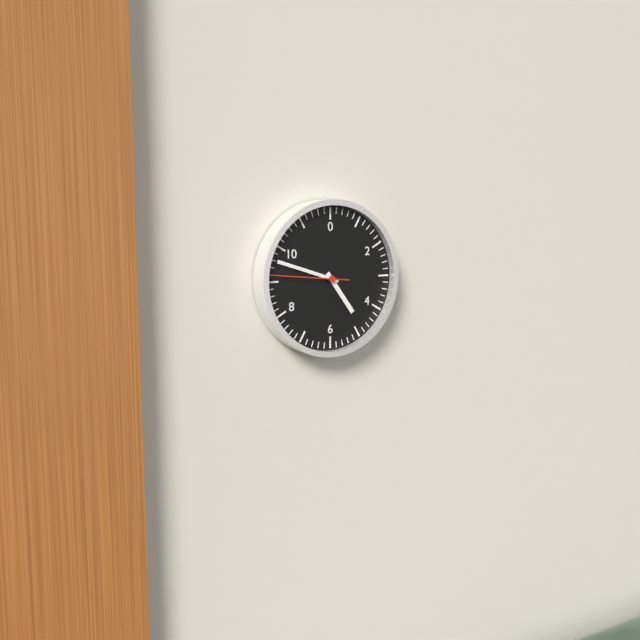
4:48:46
